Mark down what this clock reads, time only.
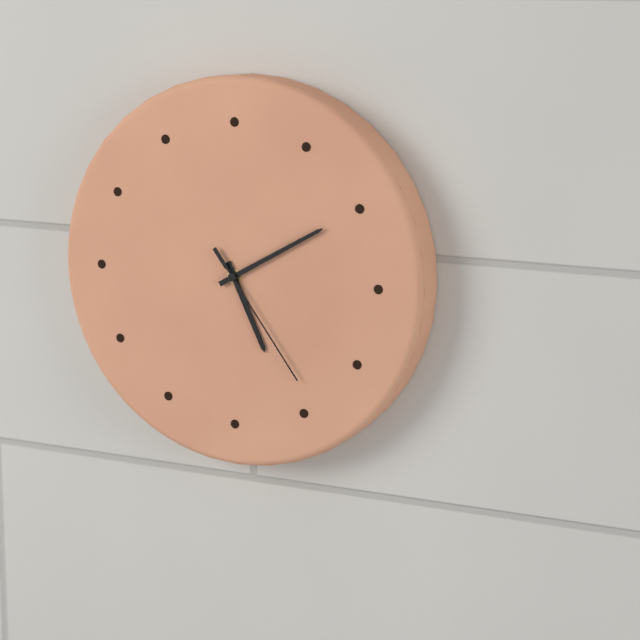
5:10:24
